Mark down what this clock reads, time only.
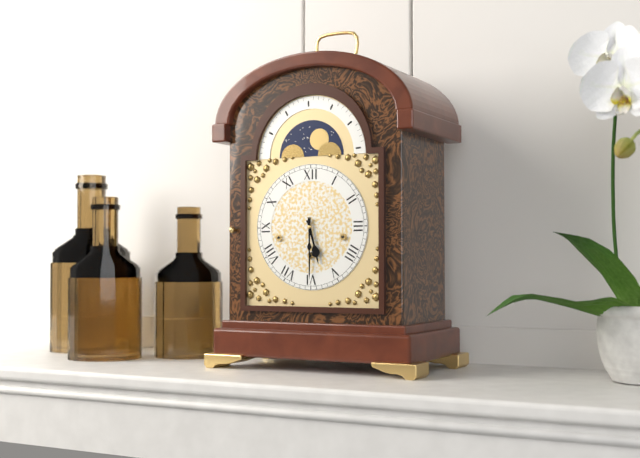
5:30
